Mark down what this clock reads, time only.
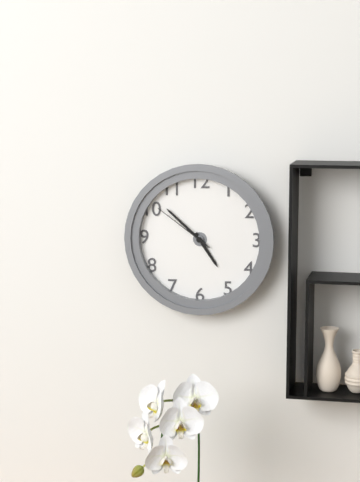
4:52:51
